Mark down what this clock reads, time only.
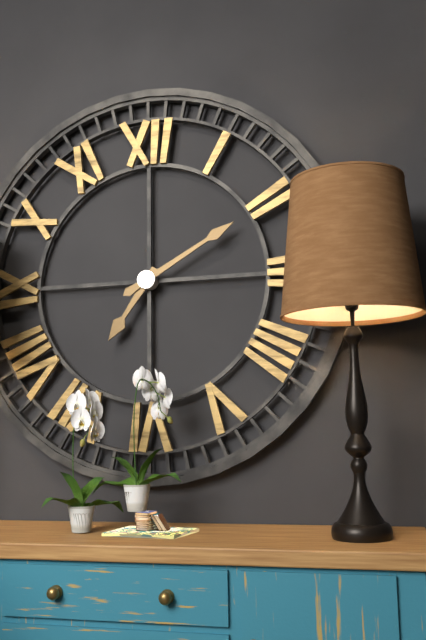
7:10
